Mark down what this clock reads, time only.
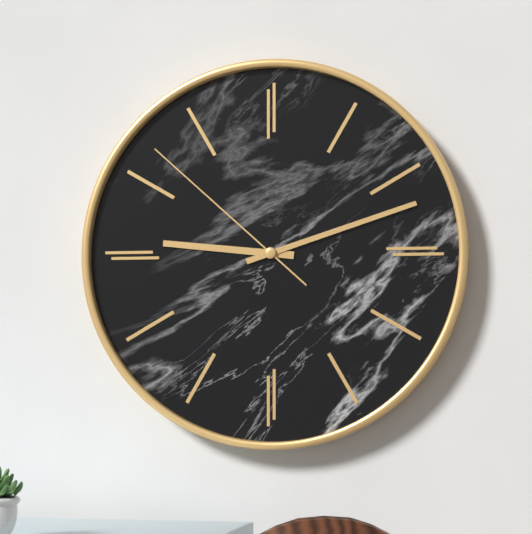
9:12:52
